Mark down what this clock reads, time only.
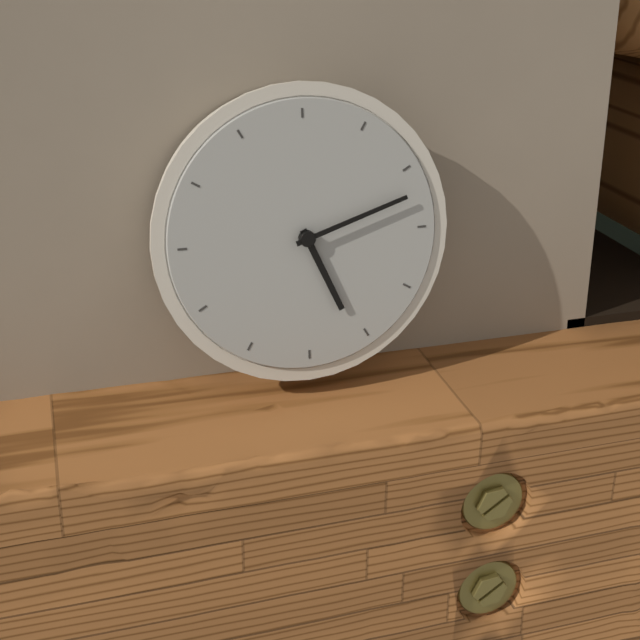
5:12
